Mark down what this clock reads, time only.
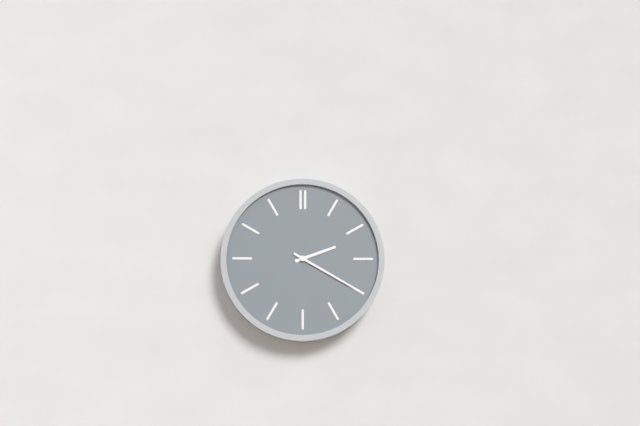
2:20
